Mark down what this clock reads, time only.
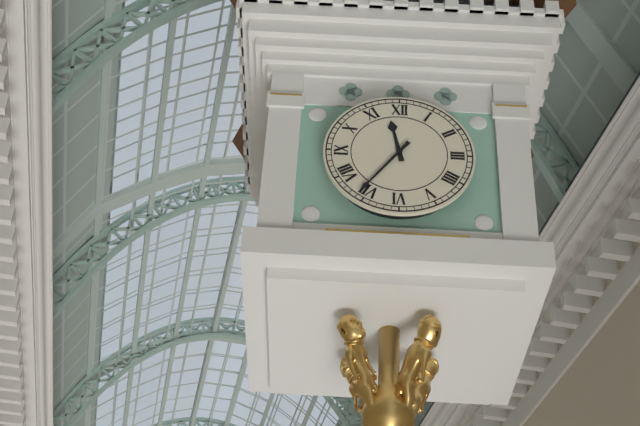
11:36
